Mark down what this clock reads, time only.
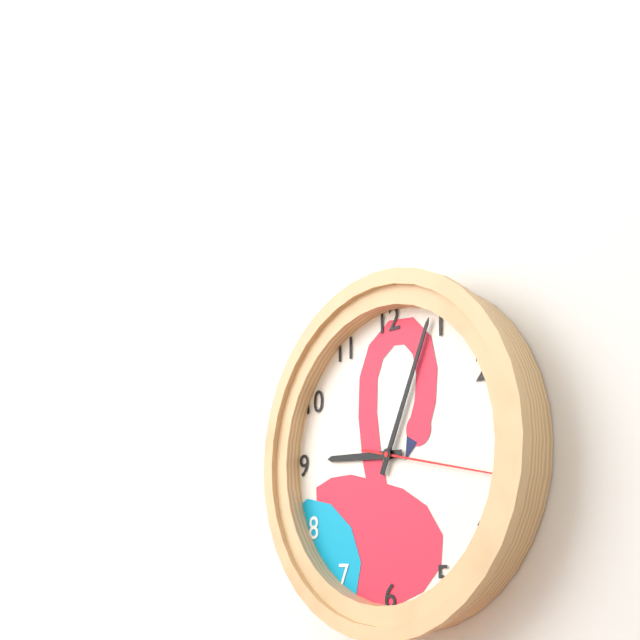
9:04:17
